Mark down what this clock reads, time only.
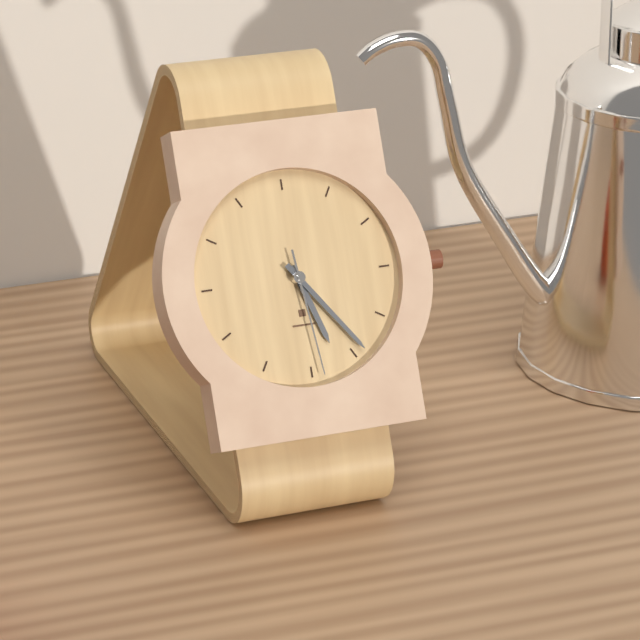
5:24:29
